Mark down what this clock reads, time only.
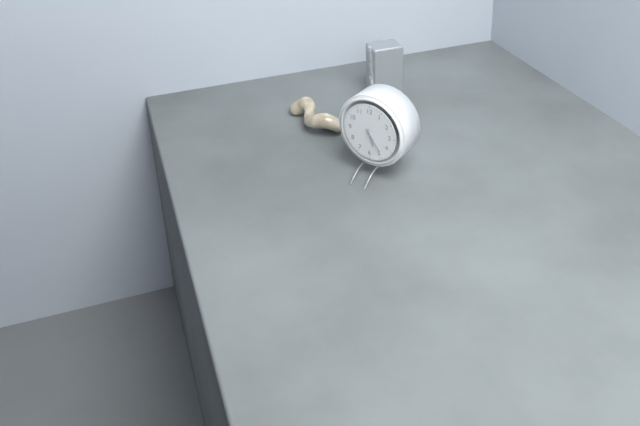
5:24
